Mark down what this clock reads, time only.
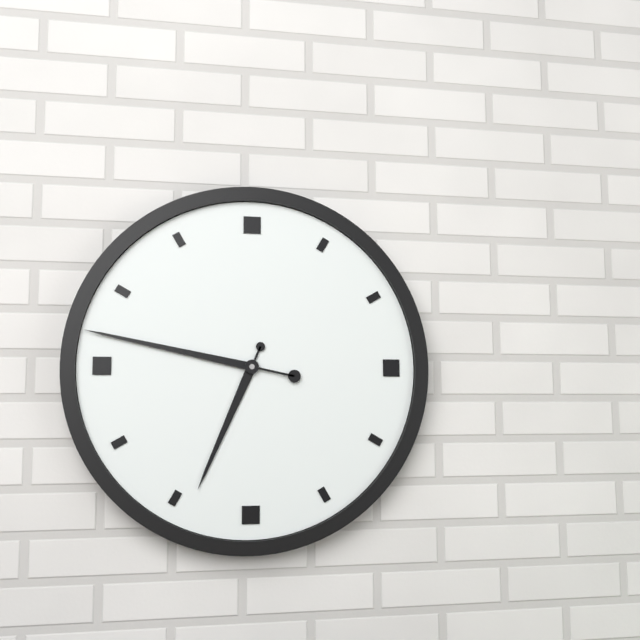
6:47
